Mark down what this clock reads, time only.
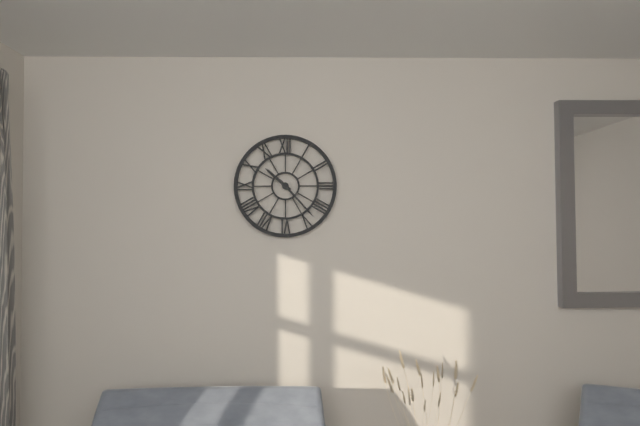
10:23
